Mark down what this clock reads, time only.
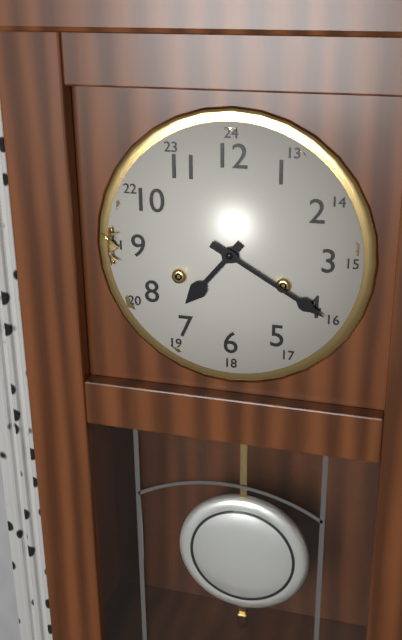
7:20
